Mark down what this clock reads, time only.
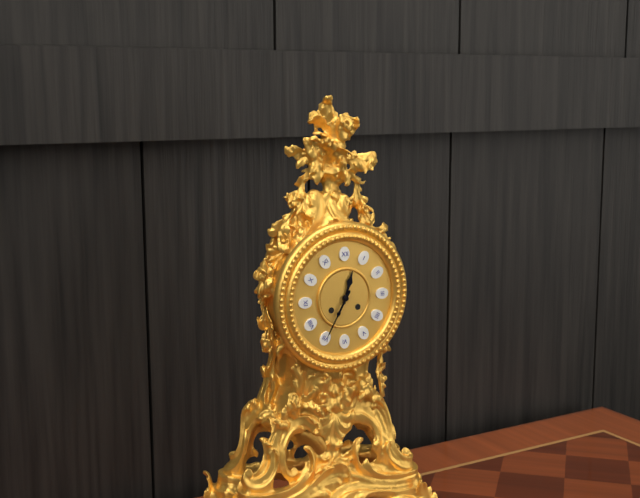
12:35
